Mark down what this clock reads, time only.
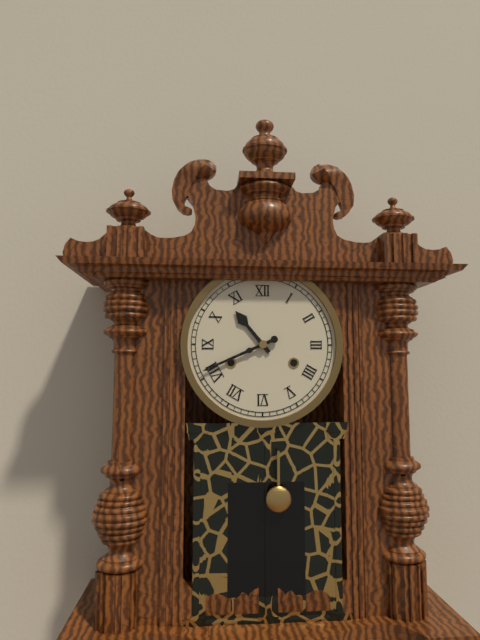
10:41
